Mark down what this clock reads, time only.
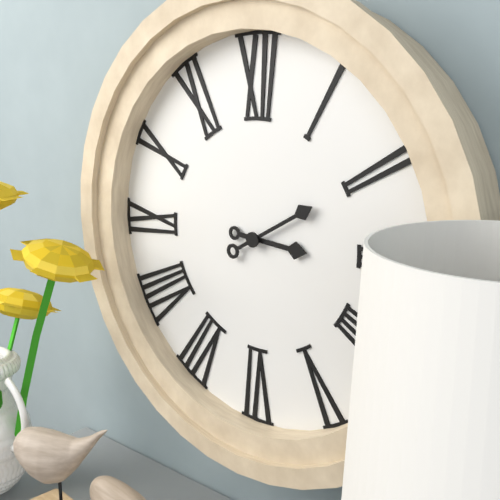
3:10
